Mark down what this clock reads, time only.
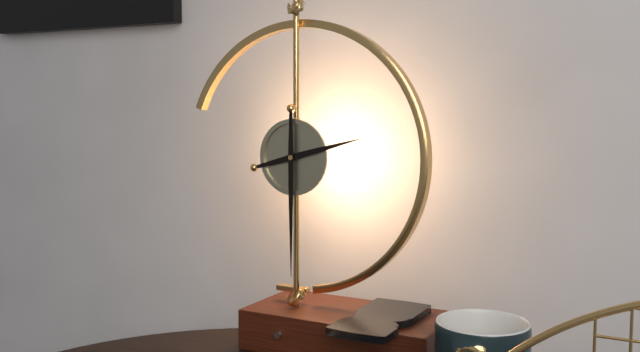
2:30
